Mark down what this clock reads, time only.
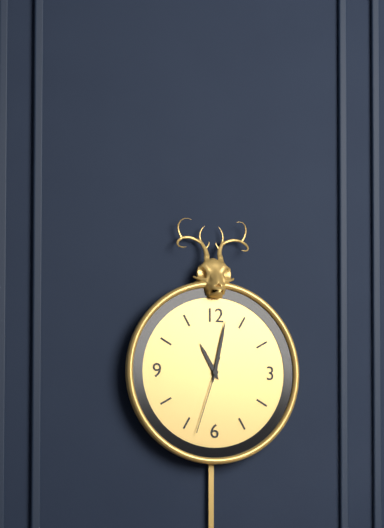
11:02:33
